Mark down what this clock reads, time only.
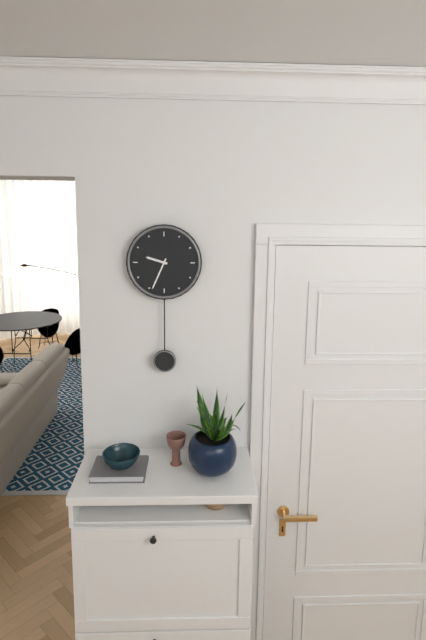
9:34
